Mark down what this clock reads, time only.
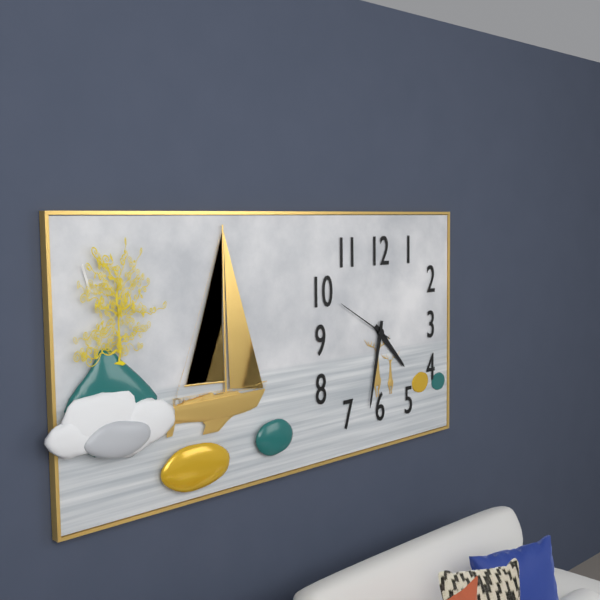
4:32:50
